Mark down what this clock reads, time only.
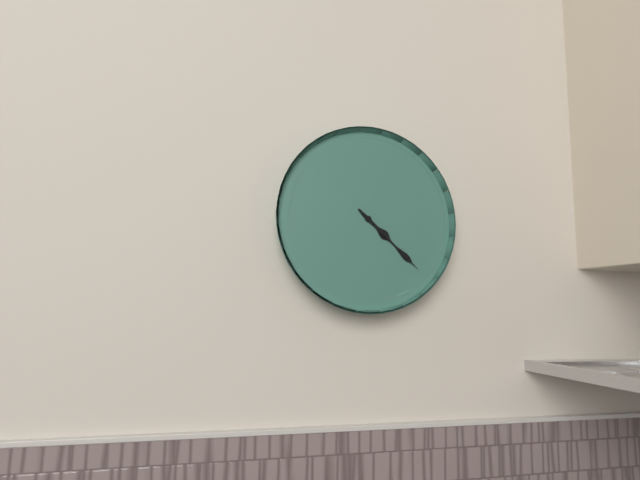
4:22
